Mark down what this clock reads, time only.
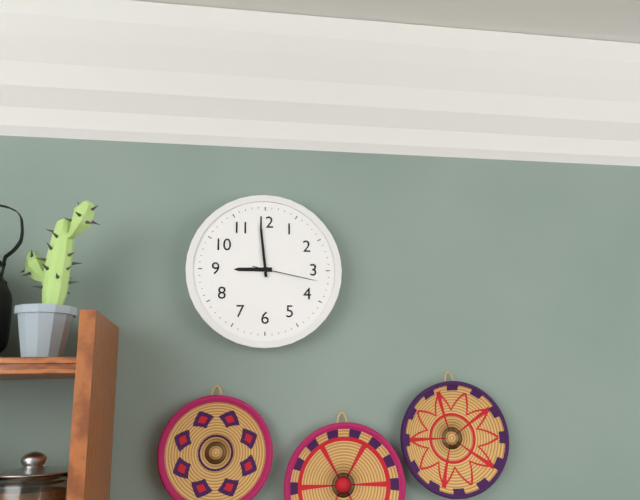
8:59:17
